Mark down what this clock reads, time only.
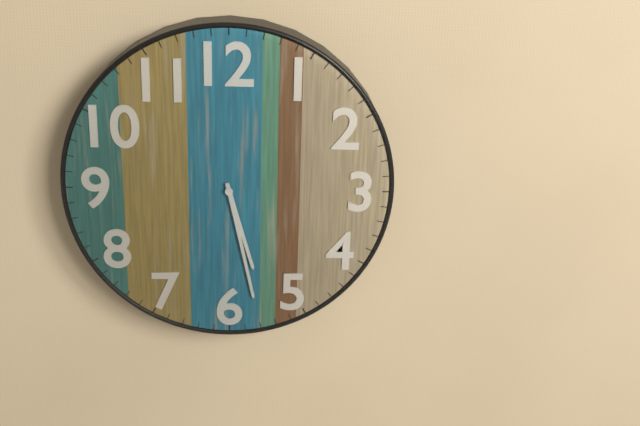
5:28
